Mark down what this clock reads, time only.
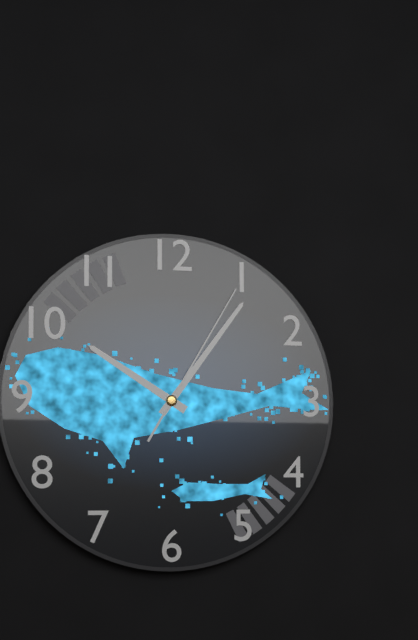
10:06:05
